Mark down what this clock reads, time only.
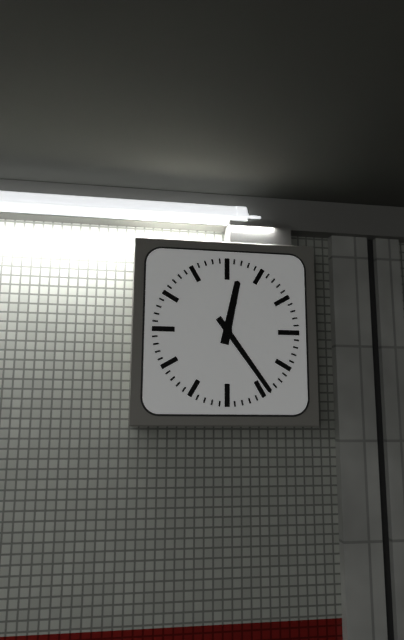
12:24
